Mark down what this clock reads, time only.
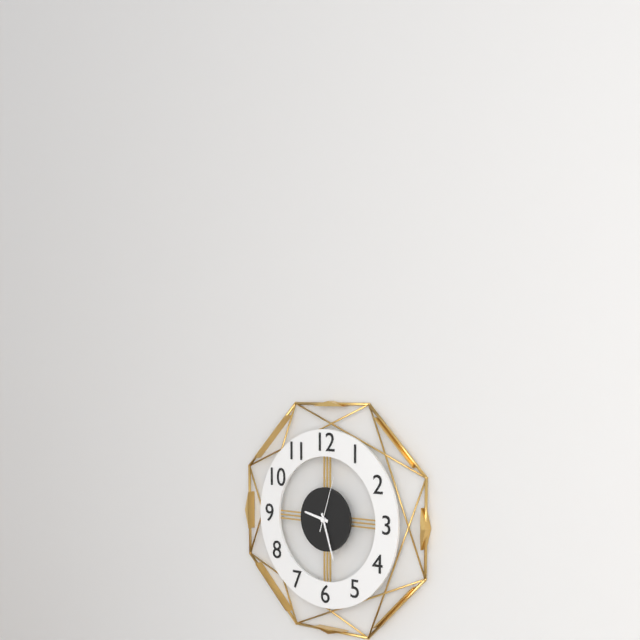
9:27:03
